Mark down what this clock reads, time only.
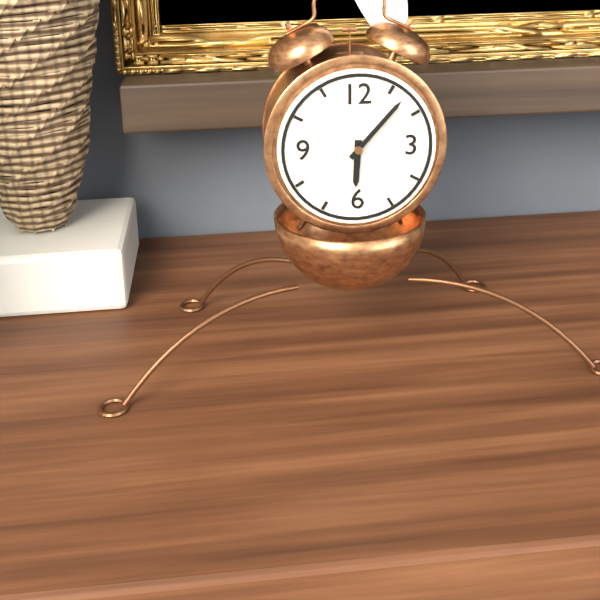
6:07
